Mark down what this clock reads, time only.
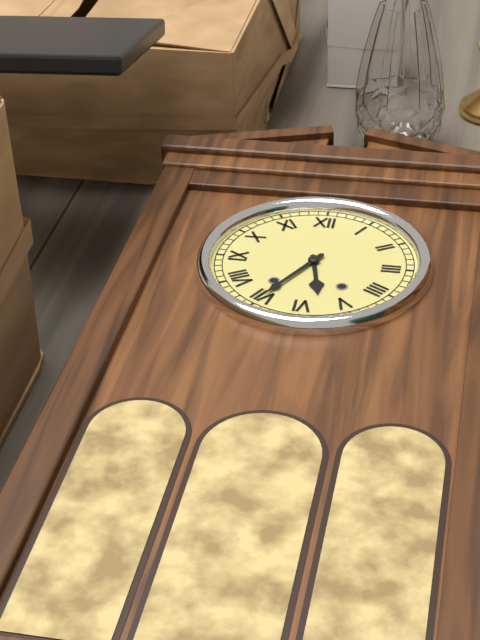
5:35
